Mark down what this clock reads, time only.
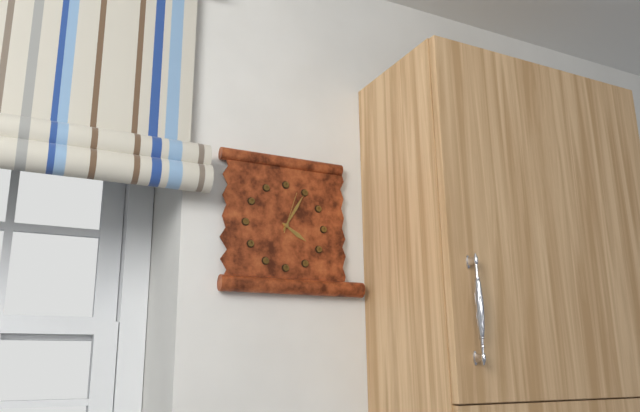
4:05
